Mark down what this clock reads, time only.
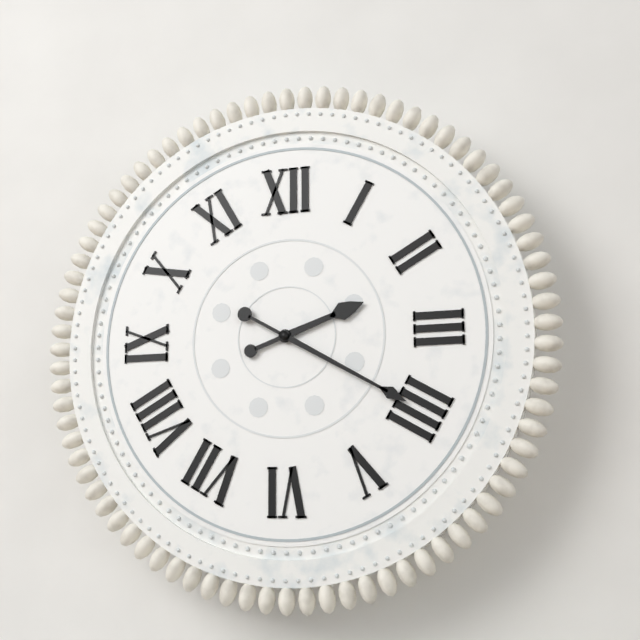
2:20
